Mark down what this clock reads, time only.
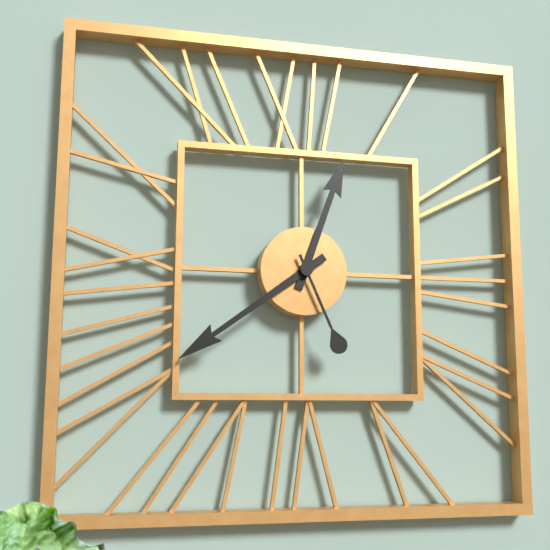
12:39:26
